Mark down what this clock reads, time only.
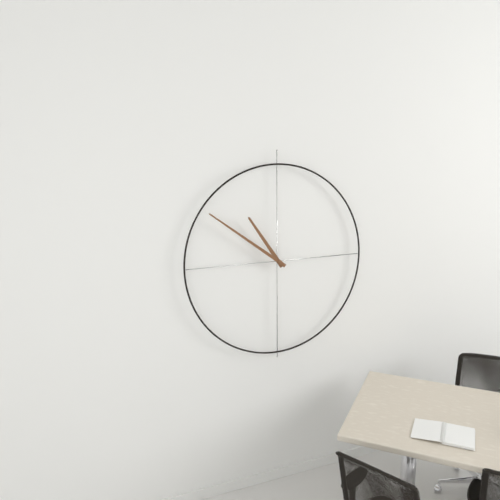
10:51
